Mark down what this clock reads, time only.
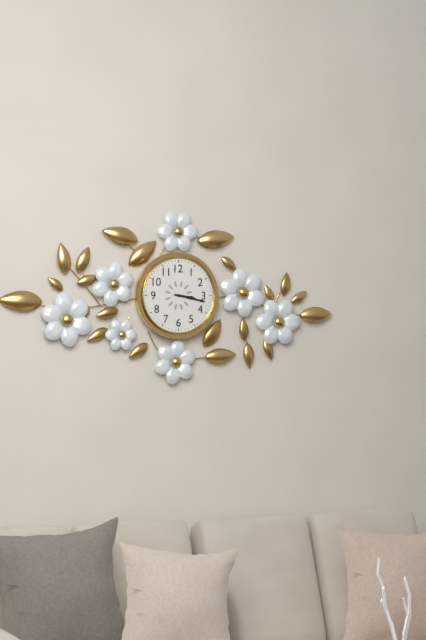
3:17
